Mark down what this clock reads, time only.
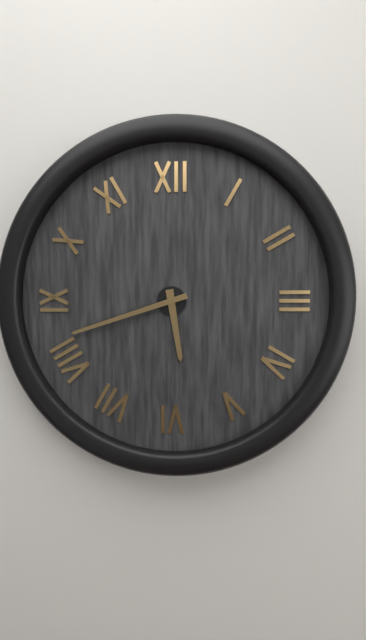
5:42
